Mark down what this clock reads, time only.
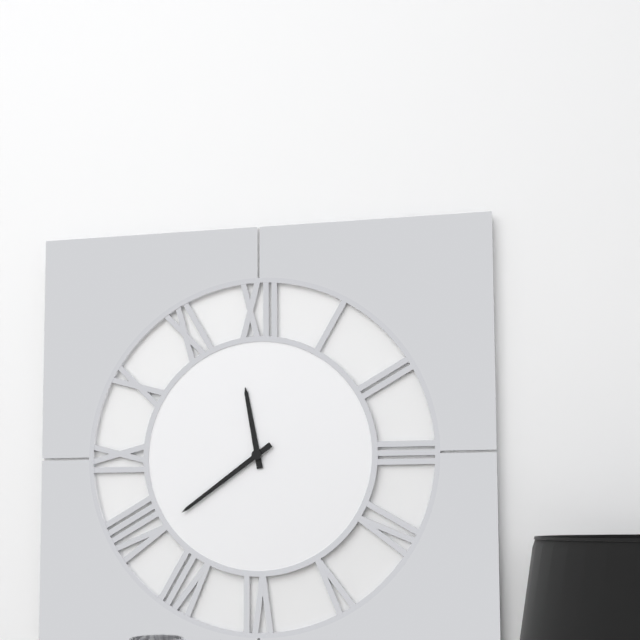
11:39
